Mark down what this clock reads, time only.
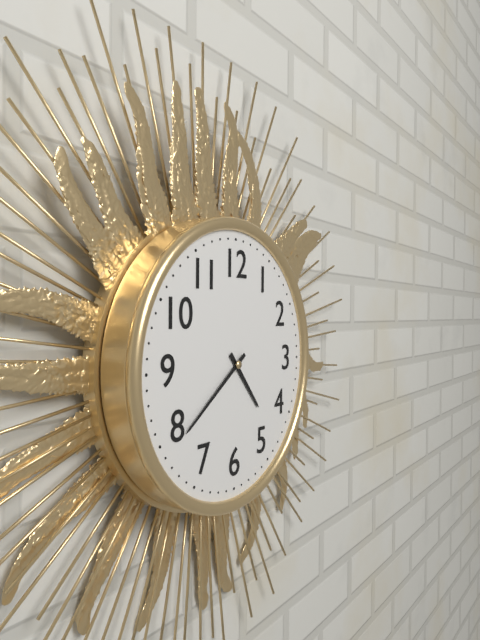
4:39
